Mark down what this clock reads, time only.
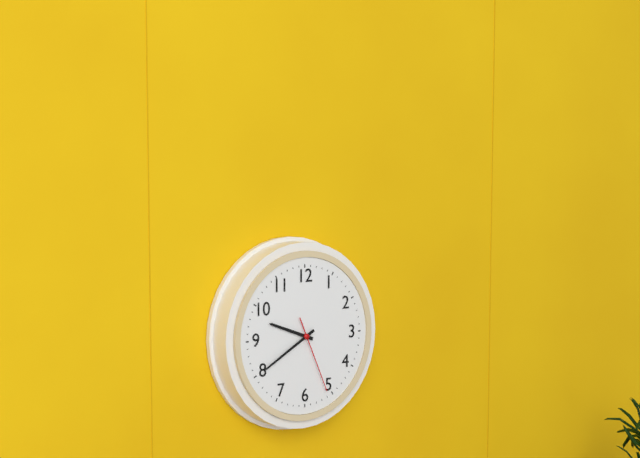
9:40:26
